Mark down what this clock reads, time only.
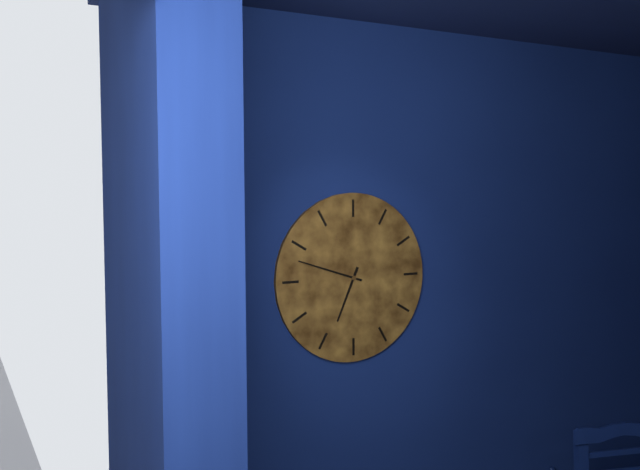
6:48
